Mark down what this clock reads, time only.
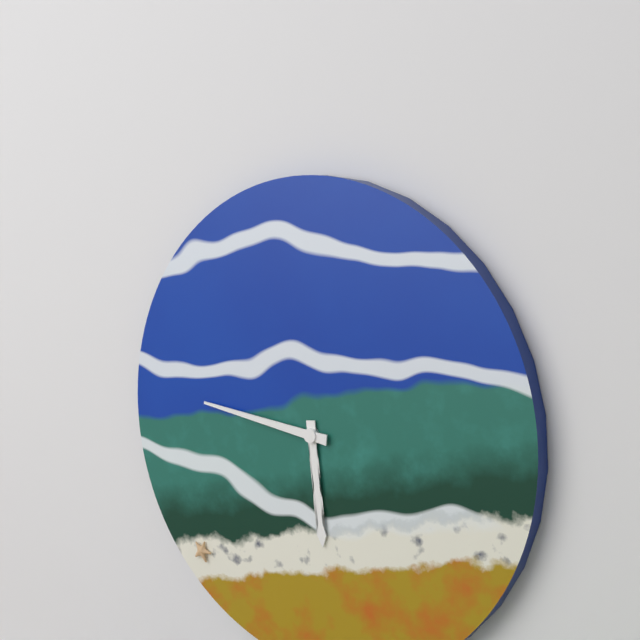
5:46
